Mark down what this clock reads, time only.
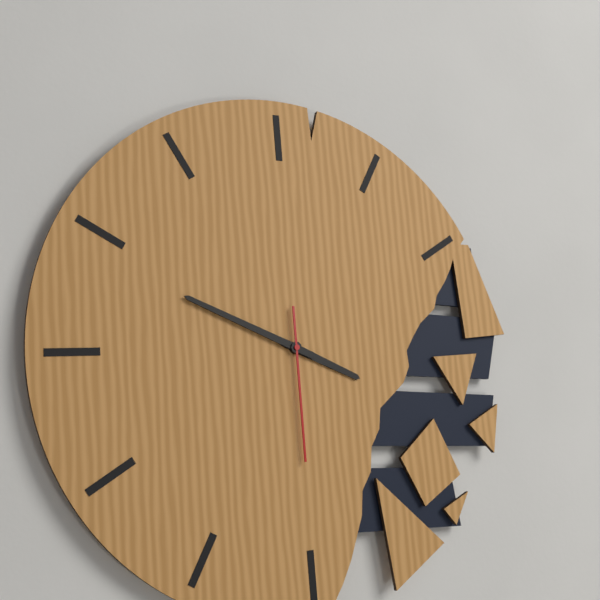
3:49:30
